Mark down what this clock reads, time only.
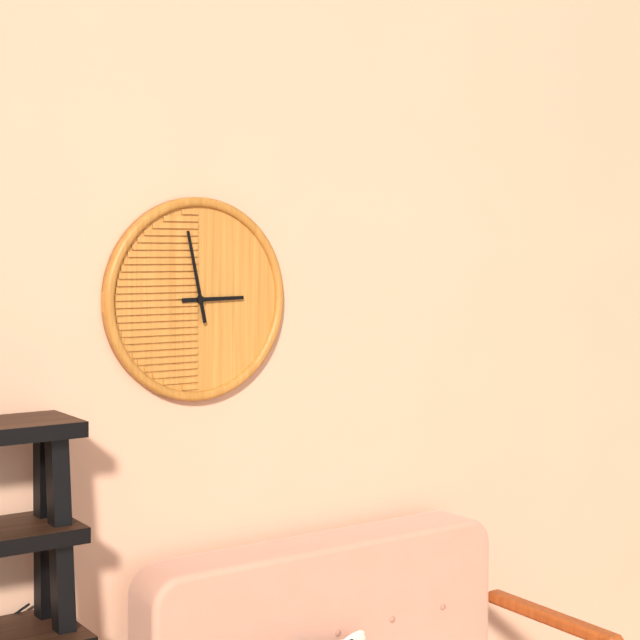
2:58
